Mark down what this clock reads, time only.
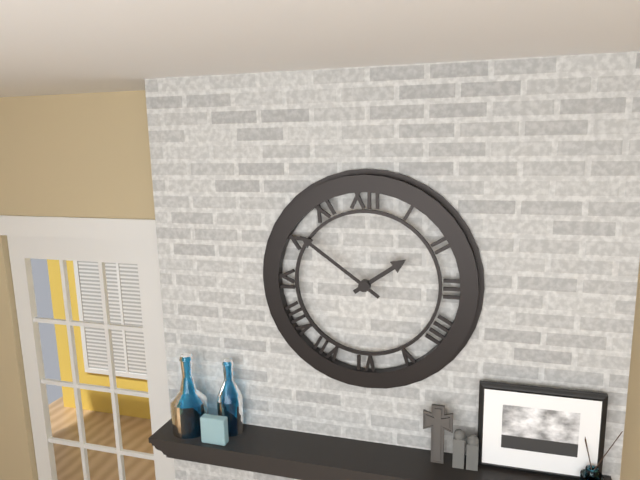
1:51
